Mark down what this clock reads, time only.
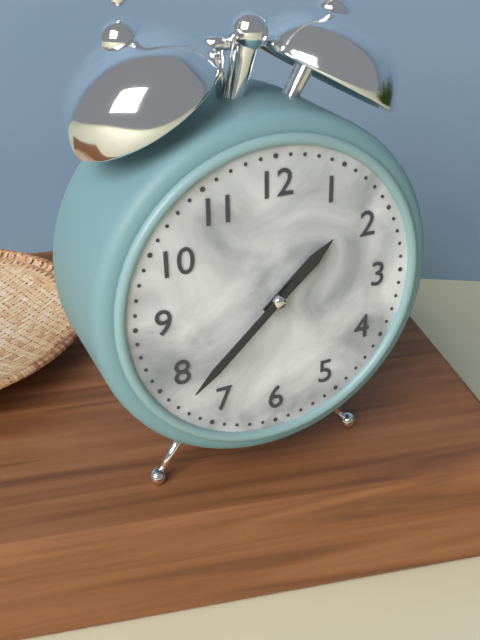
1:38
